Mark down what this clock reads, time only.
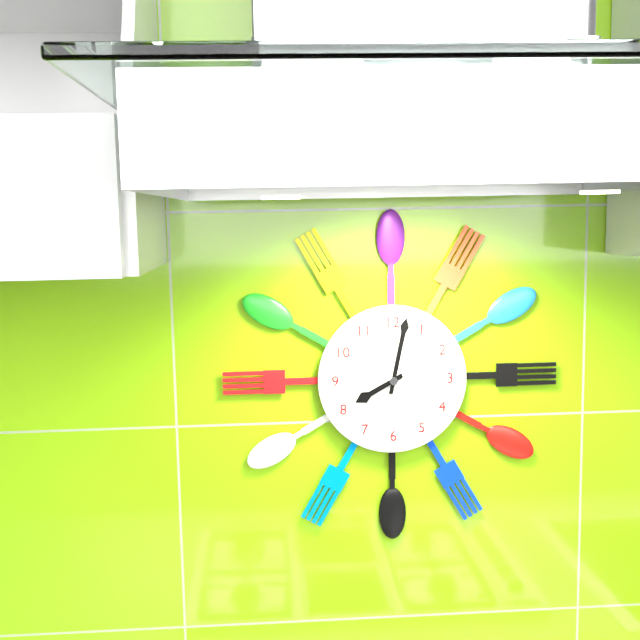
8:02
